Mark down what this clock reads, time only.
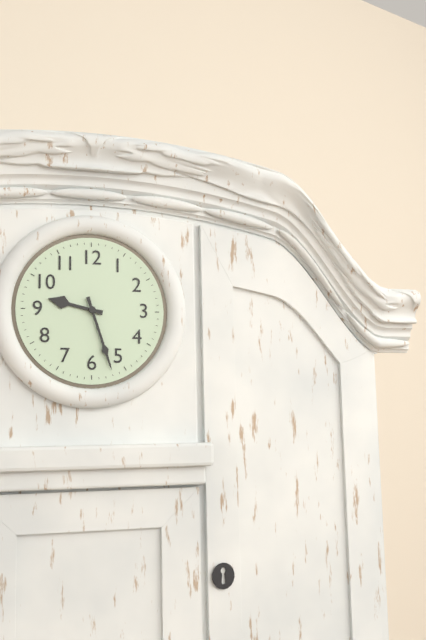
9:27
